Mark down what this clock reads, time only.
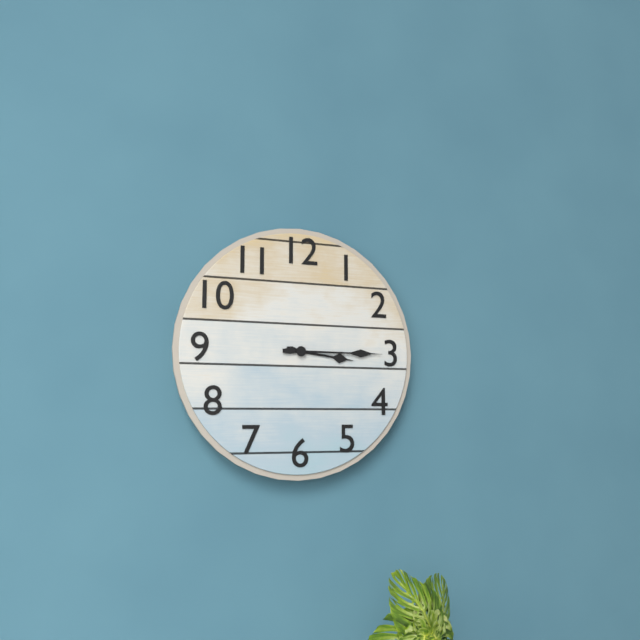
3:15
